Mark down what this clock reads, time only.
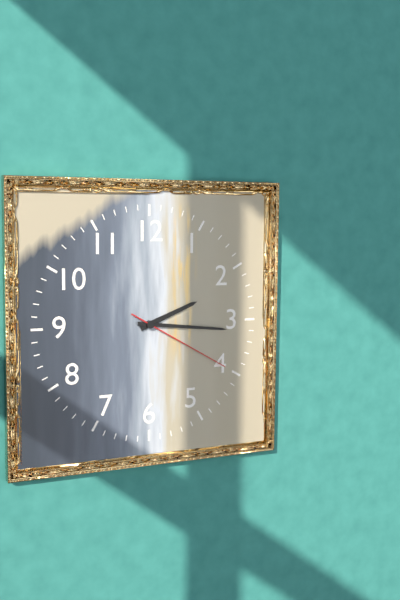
2:16:20
